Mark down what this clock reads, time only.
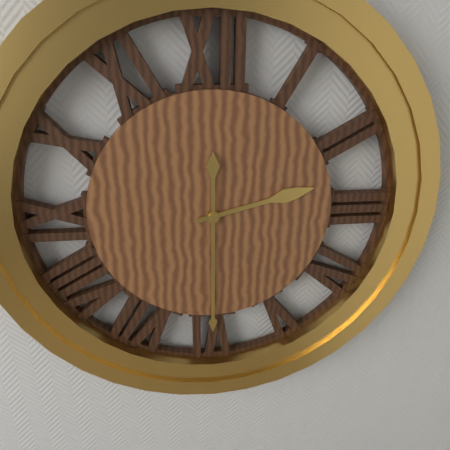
2:30
